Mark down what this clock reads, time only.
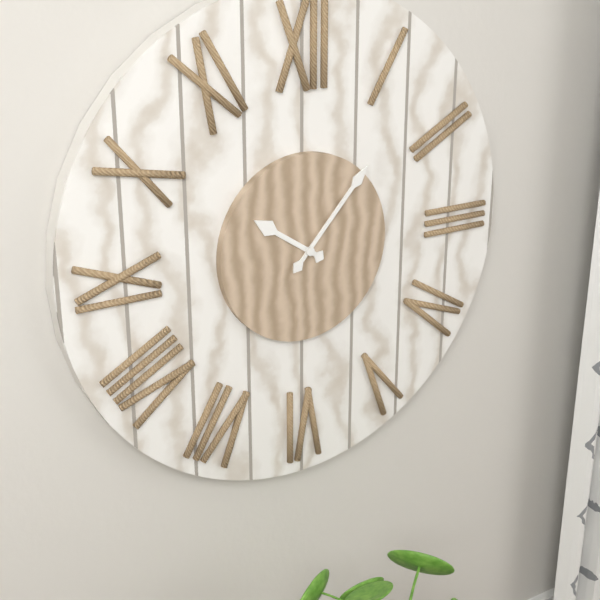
10:07
